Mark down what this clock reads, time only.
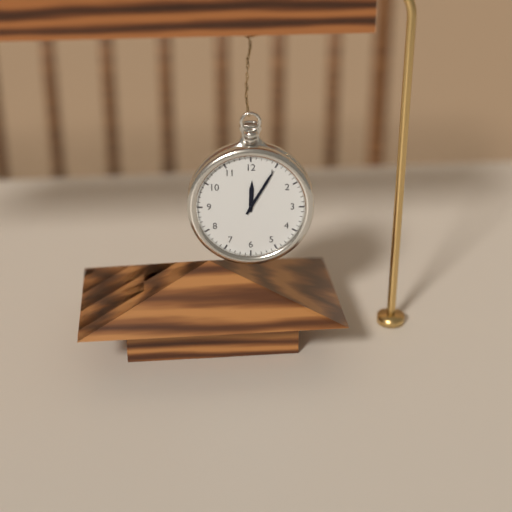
12:05
